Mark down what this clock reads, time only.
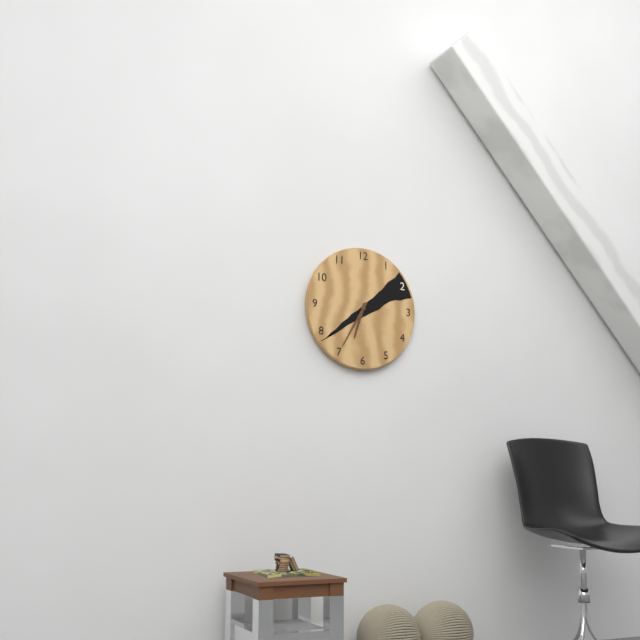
6:35
